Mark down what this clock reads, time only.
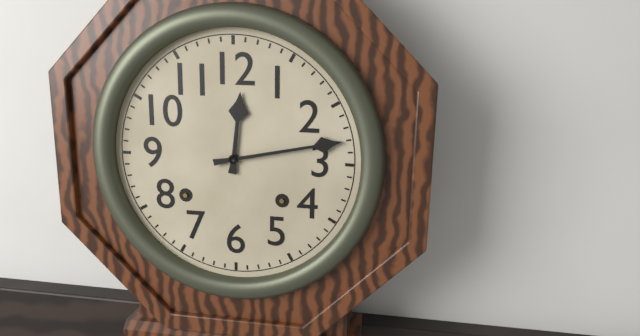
12:13
